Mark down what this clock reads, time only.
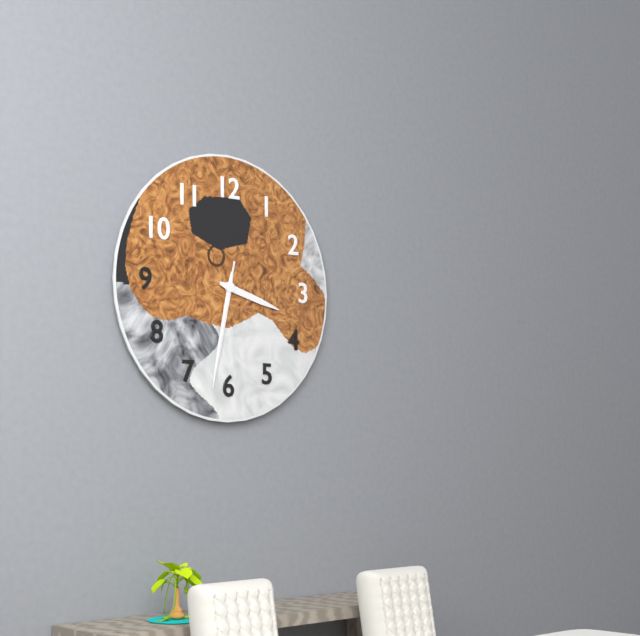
3:32:32
